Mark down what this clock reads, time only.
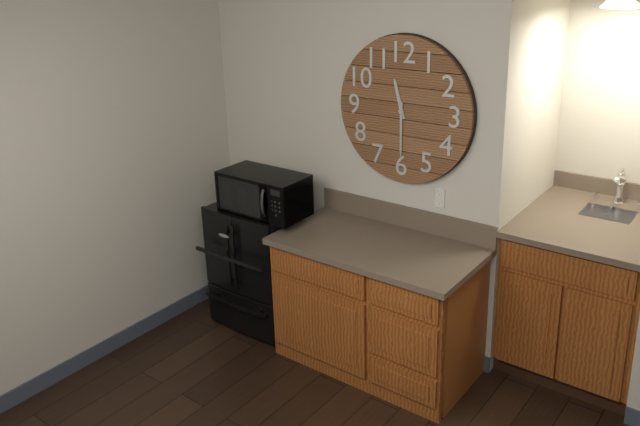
11:30
